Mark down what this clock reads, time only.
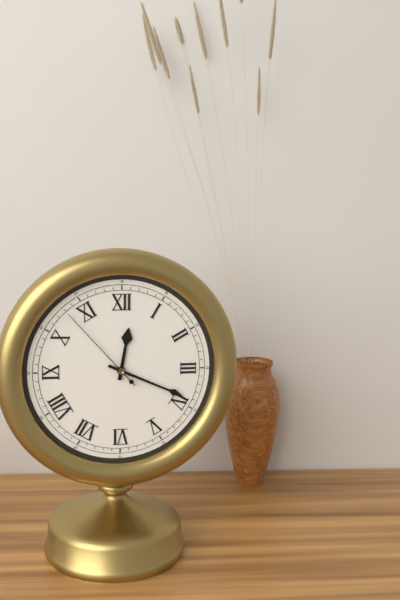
12:19:53
